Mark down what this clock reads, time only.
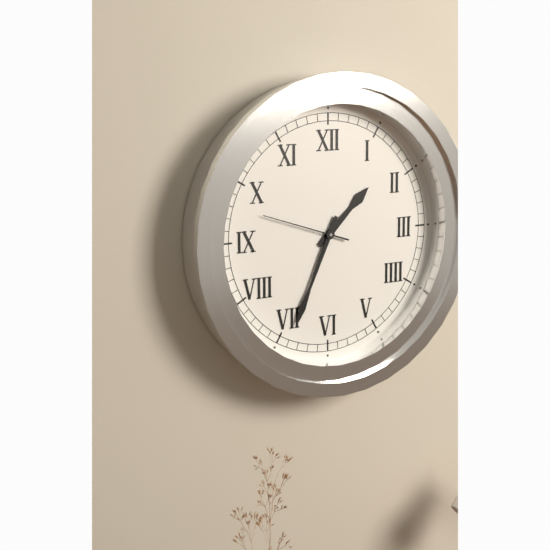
1:34:48
